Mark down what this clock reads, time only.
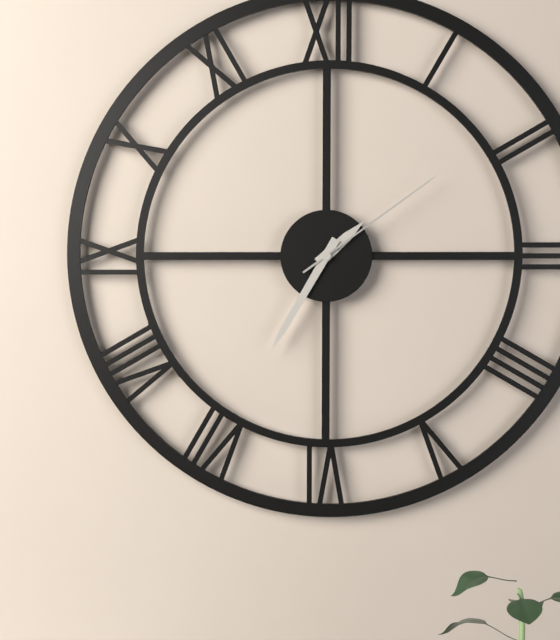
1:35:09
